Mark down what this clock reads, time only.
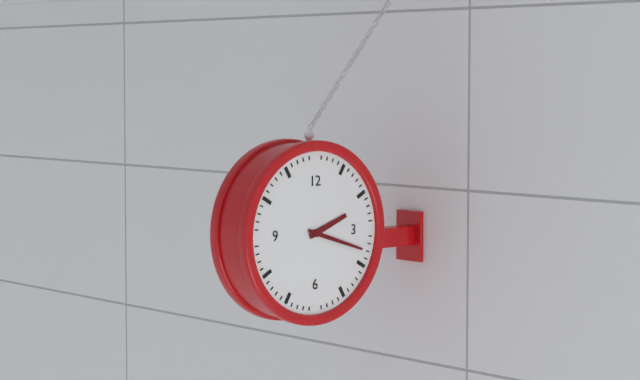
2:18
